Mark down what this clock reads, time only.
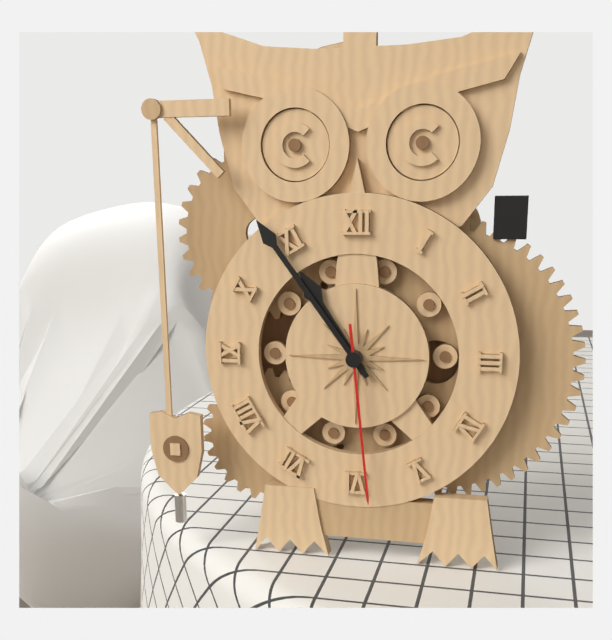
10:54:29
